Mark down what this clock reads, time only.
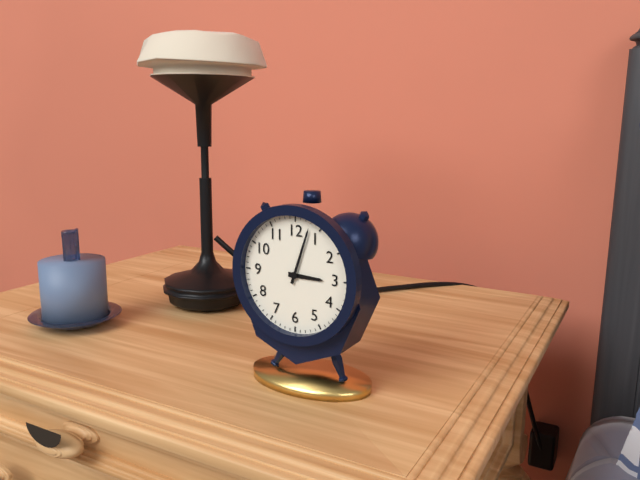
3:03
